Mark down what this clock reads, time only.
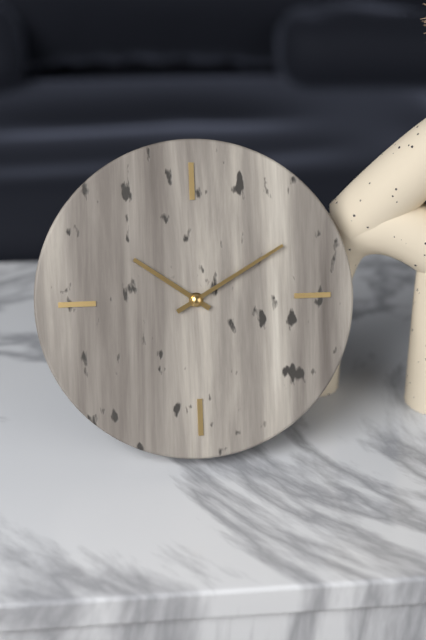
10:10
